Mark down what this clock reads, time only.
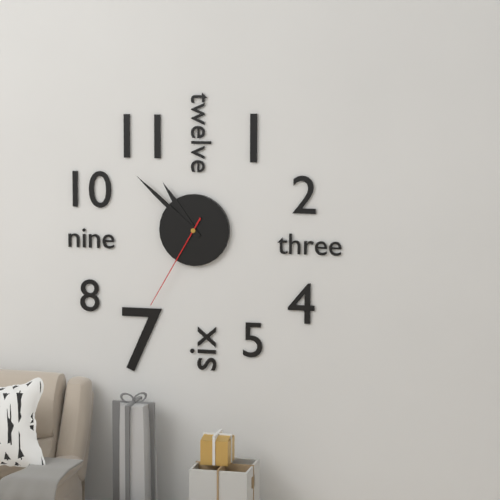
10:52:35
